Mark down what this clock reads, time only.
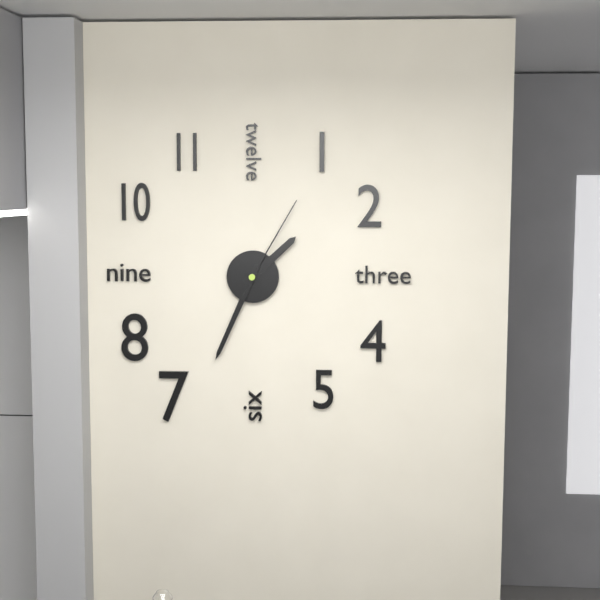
1:34:05
